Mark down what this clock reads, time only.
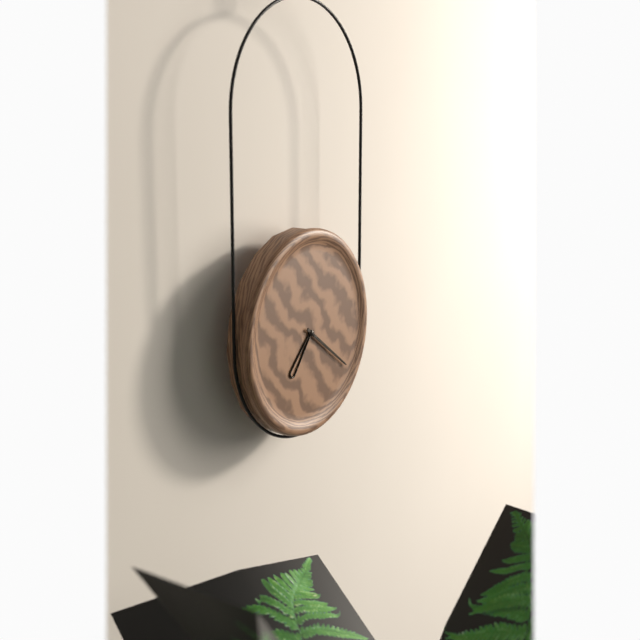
7:21
